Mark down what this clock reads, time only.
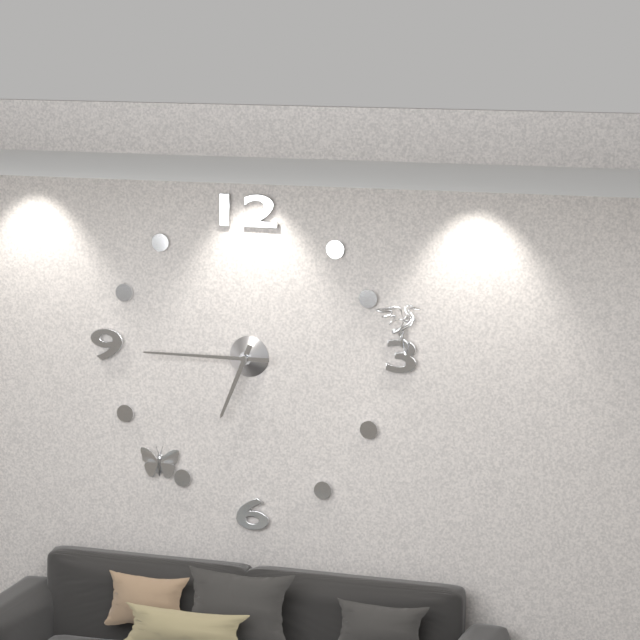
6:45
